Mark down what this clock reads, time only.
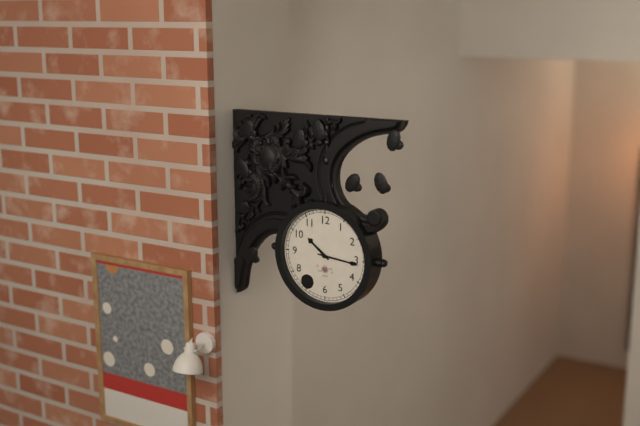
10:16
